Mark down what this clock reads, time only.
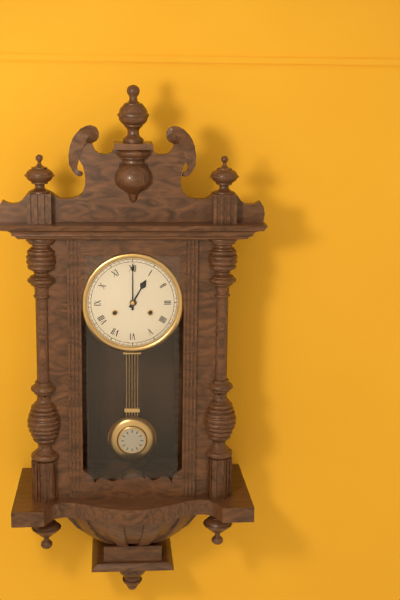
1:00
